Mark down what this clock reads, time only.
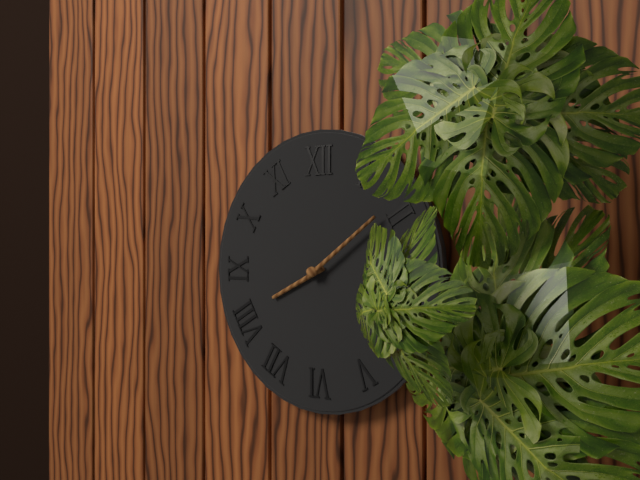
8:09
